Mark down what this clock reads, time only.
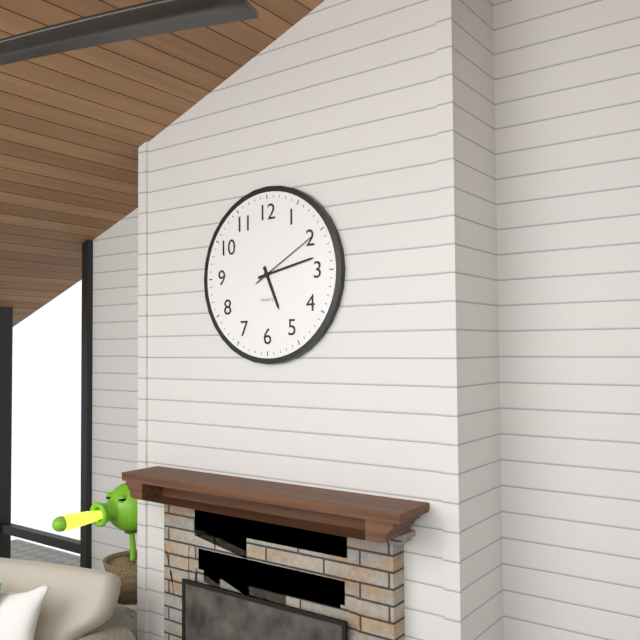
5:13:10
